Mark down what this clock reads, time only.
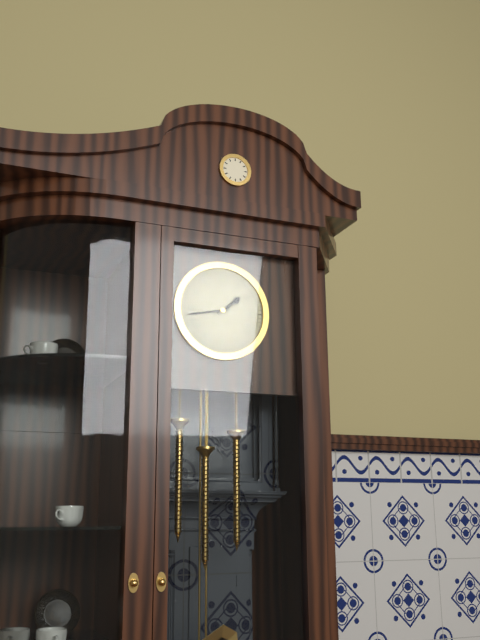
1:43
